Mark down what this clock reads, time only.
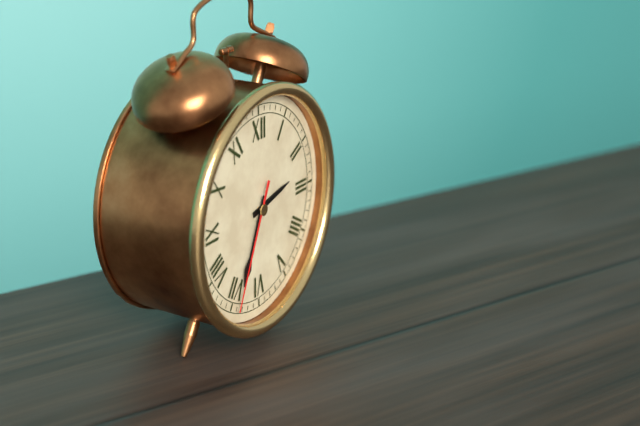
2:34:34
